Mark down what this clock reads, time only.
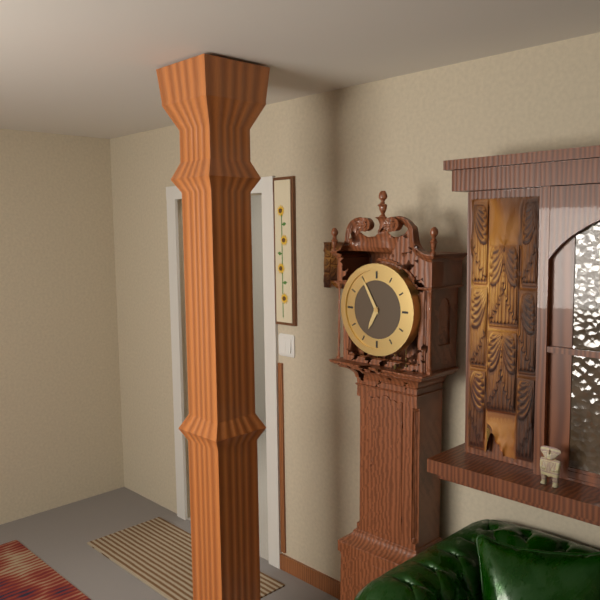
6:55
